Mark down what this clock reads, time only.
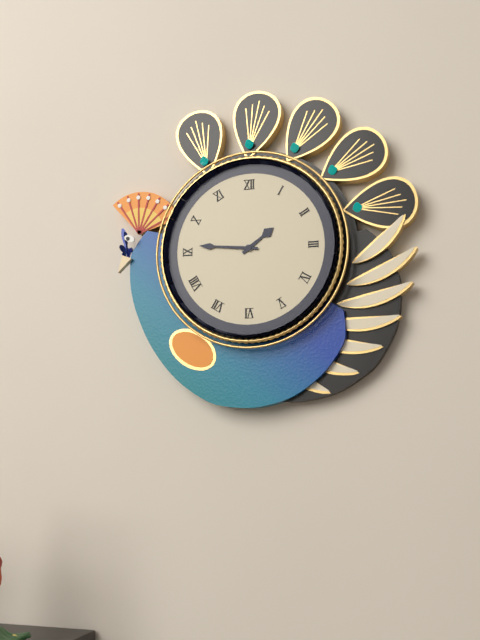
1:46
